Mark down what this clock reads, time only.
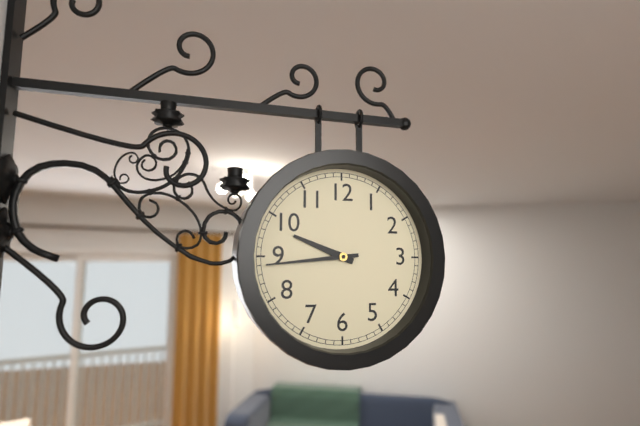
9:44
